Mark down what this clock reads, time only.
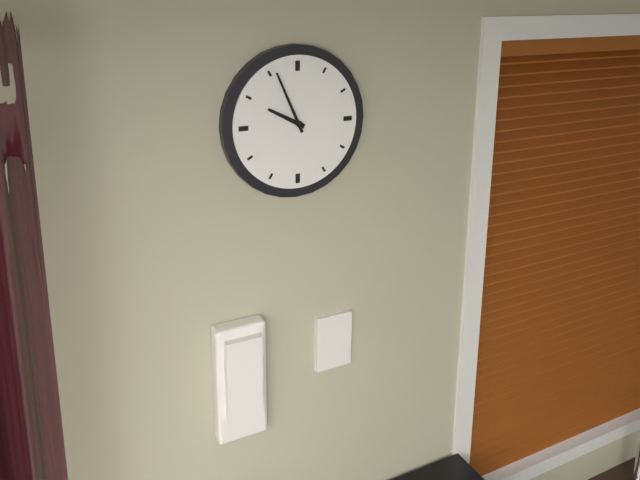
9:56
